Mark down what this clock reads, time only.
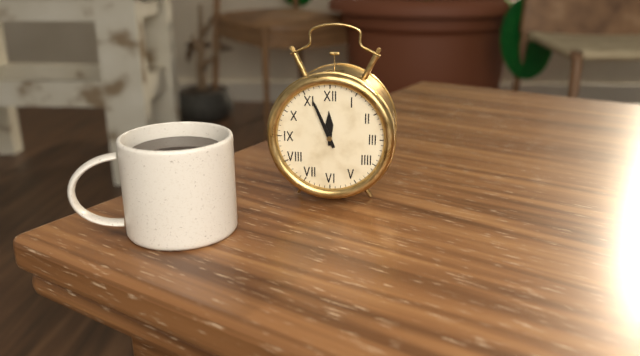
11:56
